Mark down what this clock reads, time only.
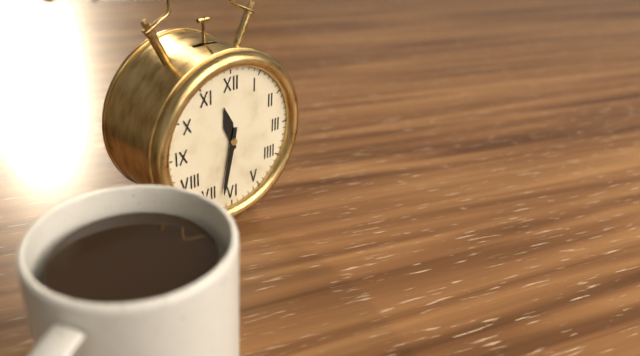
11:32
